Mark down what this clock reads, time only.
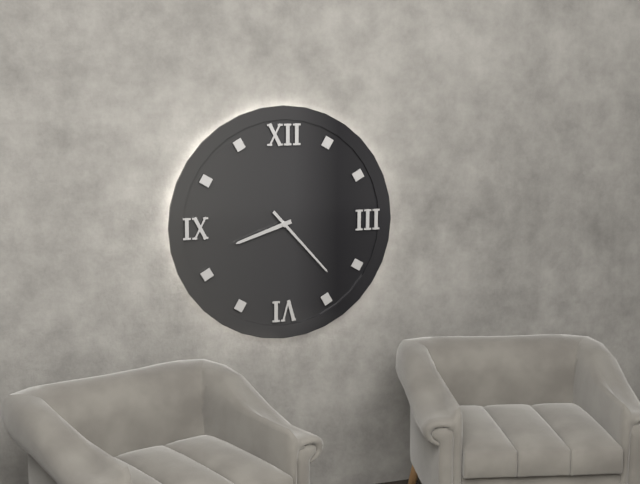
8:23
